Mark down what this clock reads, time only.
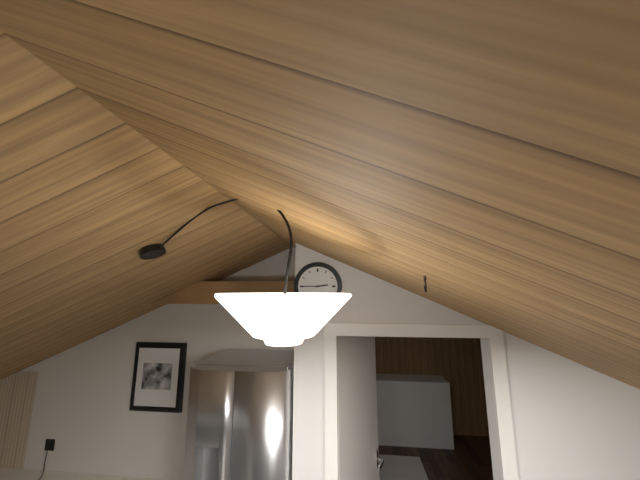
2:45
